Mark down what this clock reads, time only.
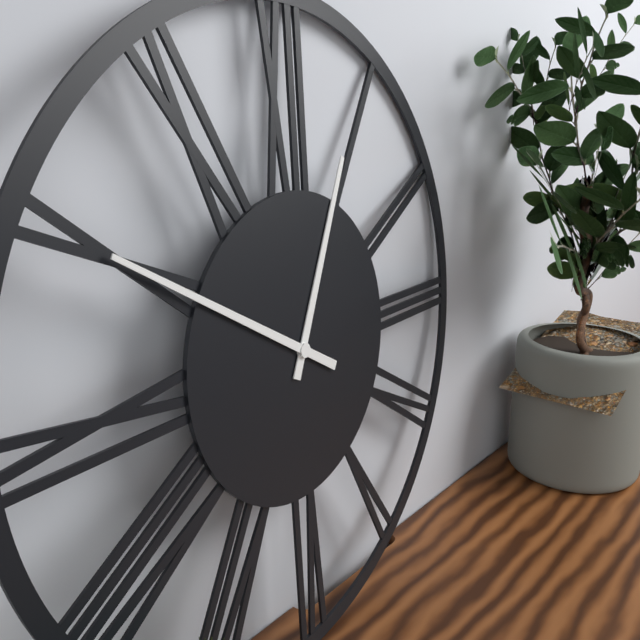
12:50
